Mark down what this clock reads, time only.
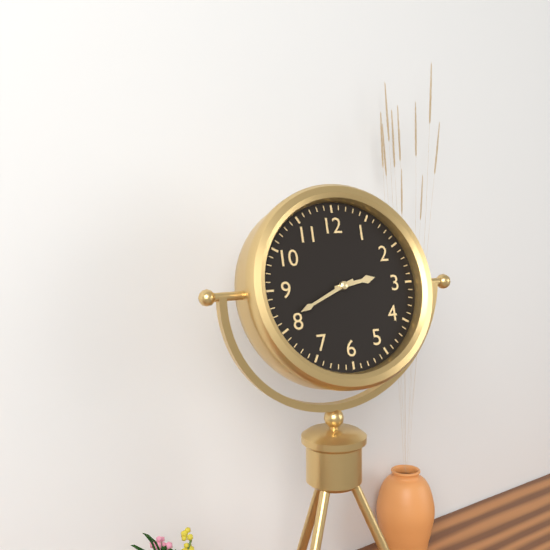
2:41
